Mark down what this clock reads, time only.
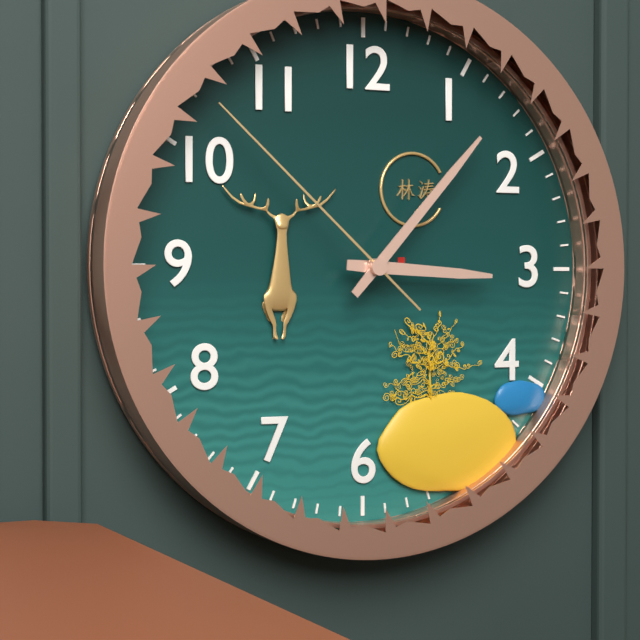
3:07:52
